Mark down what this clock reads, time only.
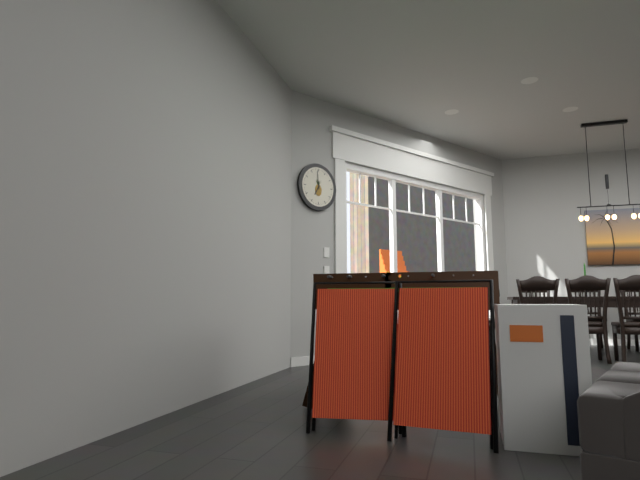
6:59
